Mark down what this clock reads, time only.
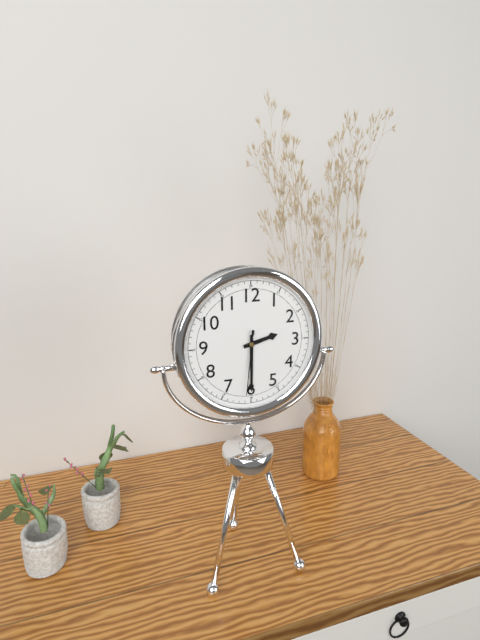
2:30:31
